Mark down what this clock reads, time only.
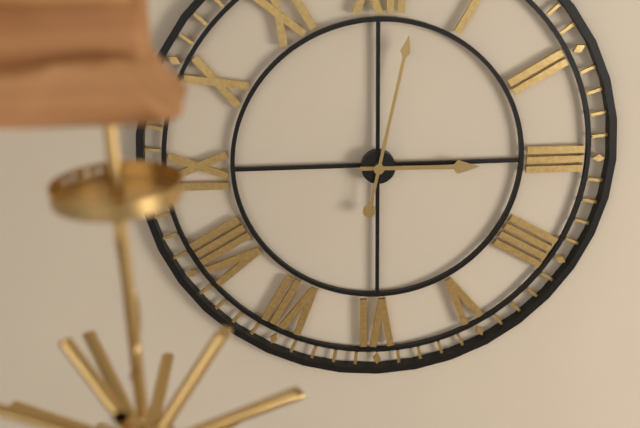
3:02
